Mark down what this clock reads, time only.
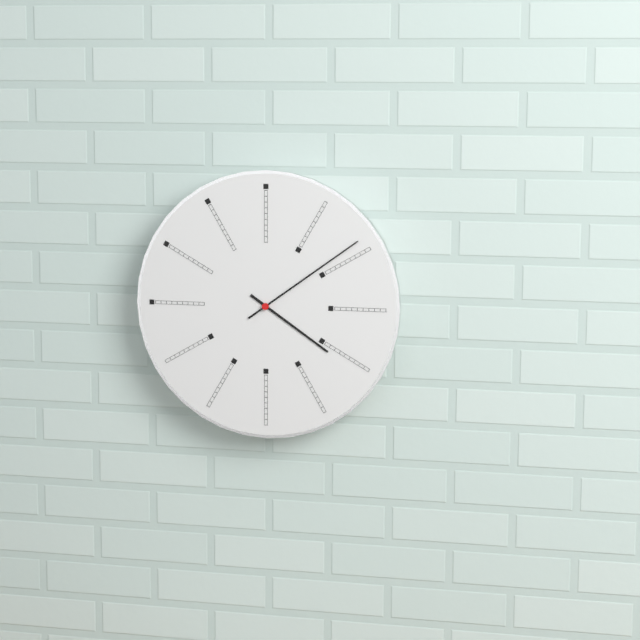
4:09
